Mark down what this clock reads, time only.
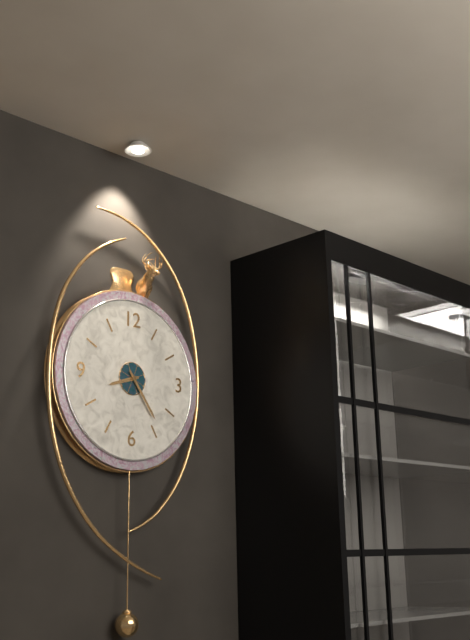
8:24
